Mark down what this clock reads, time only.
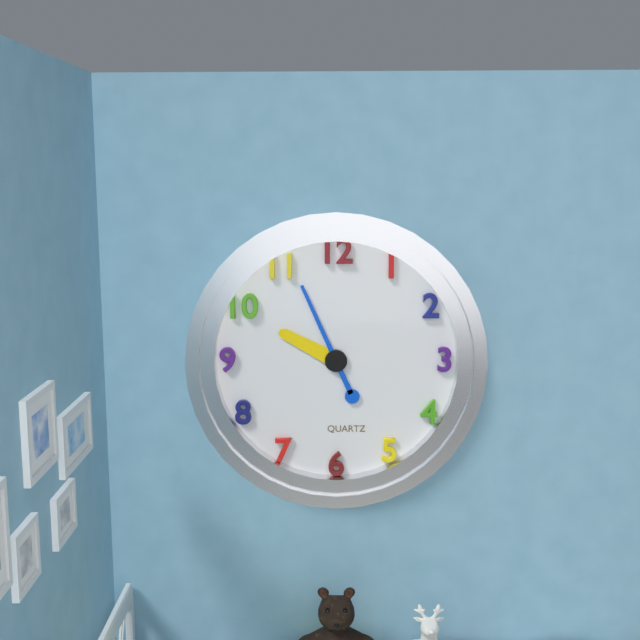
9:56
